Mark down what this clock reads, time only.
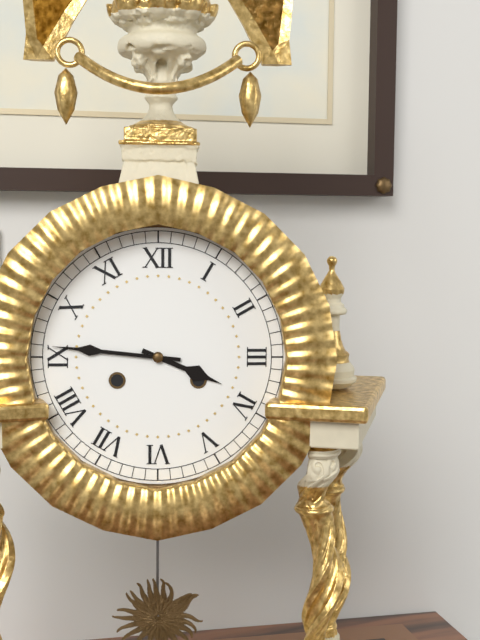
3:46
